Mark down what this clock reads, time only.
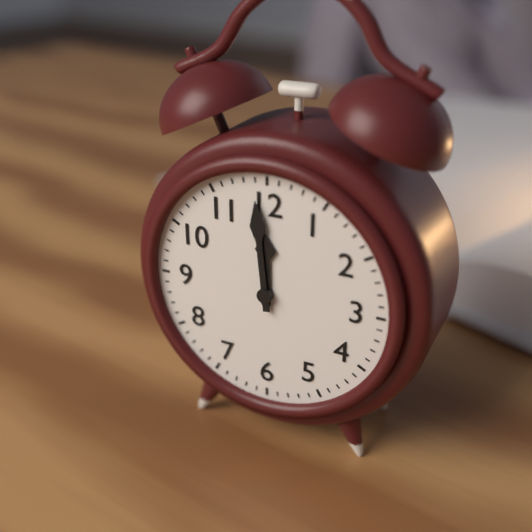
11:59
